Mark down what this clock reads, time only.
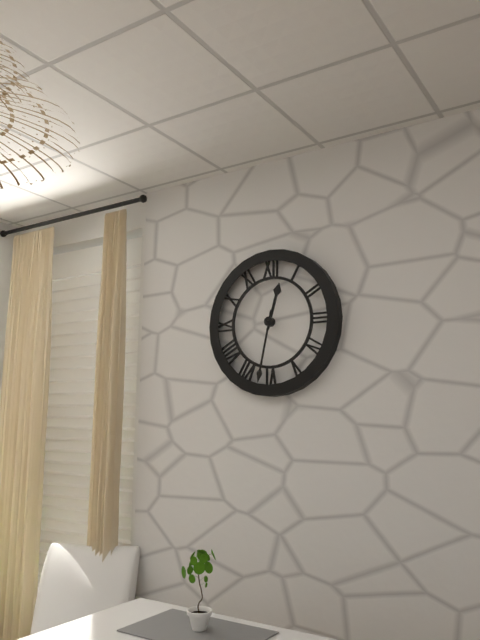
12:32
